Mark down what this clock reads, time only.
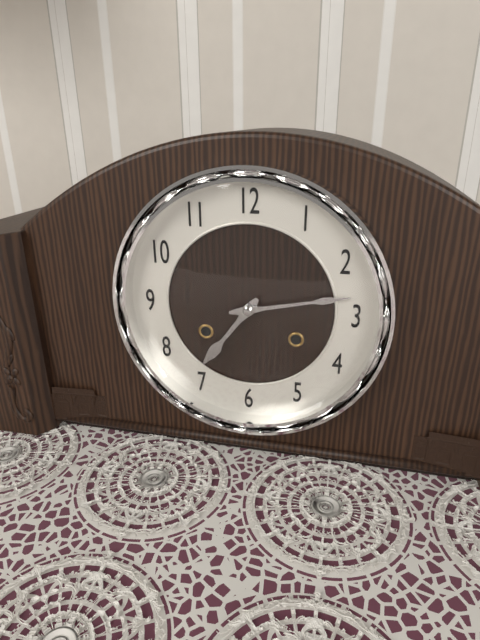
7:13
